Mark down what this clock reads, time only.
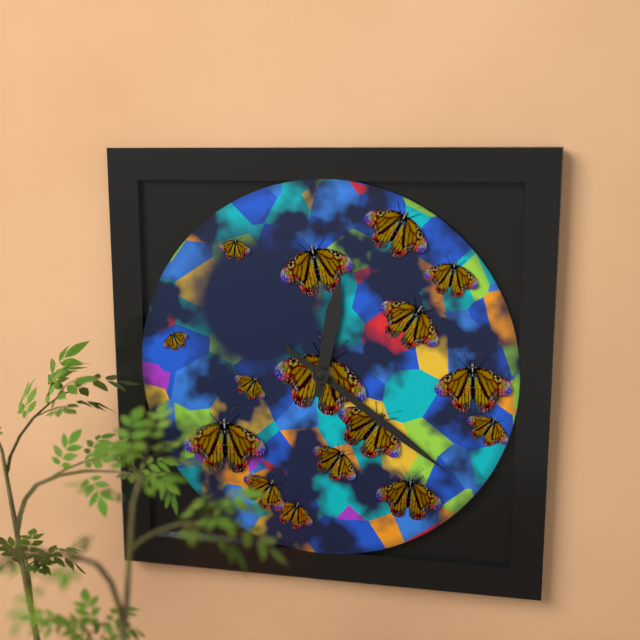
12:21
